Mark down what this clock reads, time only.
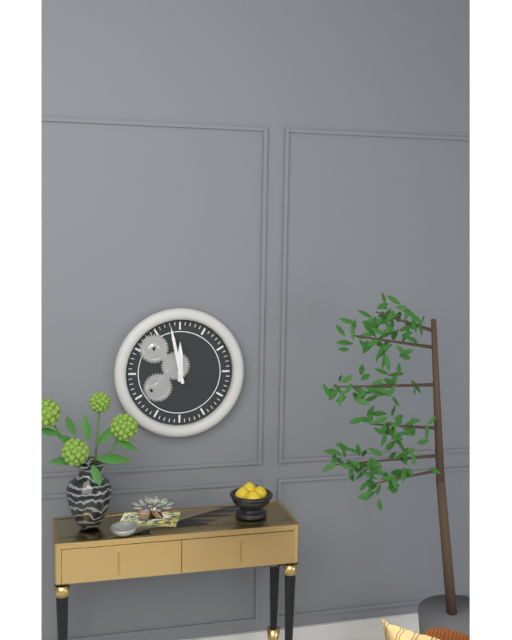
11:58
